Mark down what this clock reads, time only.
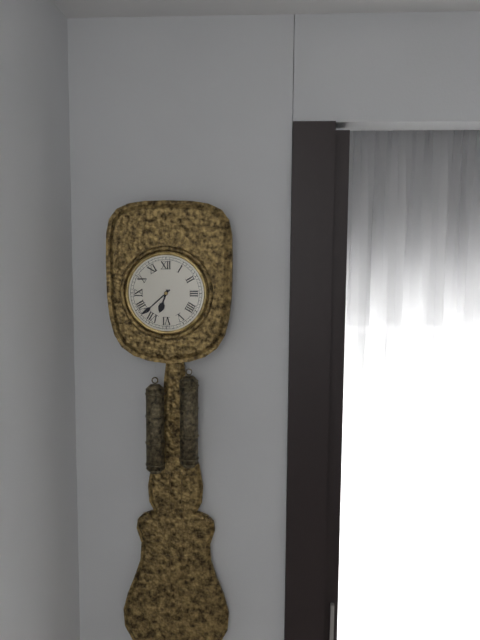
6:38
